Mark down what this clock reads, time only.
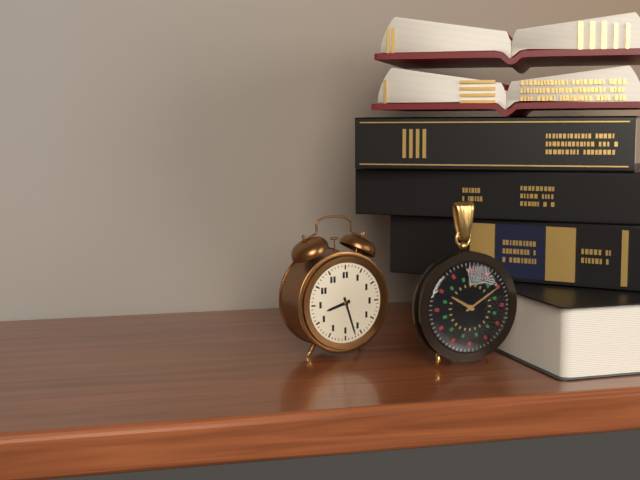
8:27
